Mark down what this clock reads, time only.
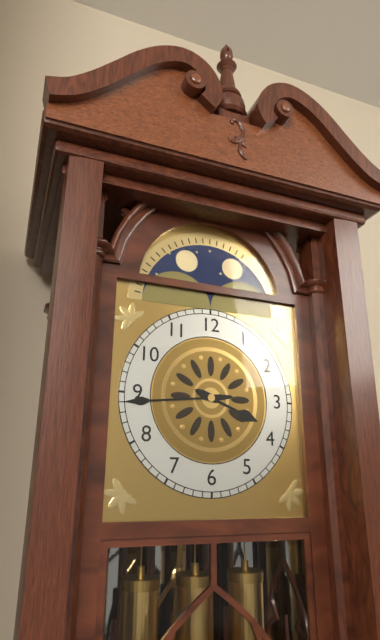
3:44
